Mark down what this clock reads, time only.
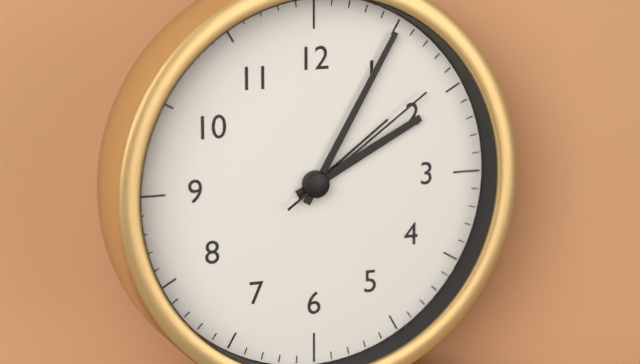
2:05:09
